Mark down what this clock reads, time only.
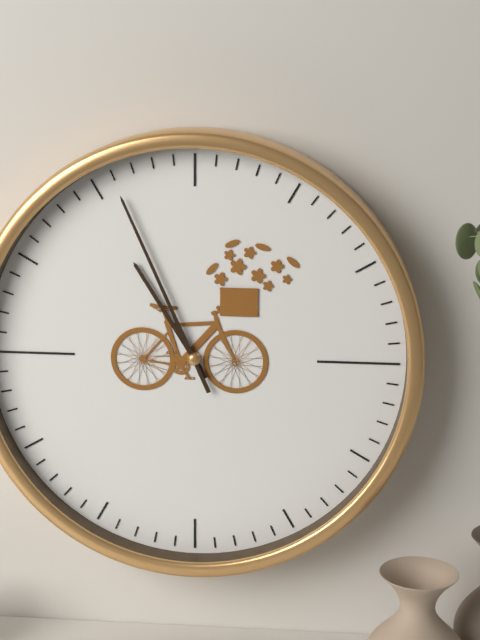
10:56
